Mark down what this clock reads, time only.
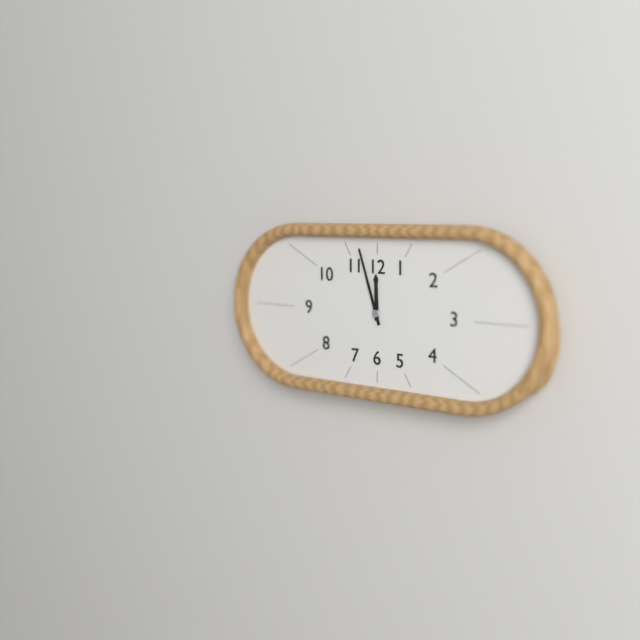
11:57
